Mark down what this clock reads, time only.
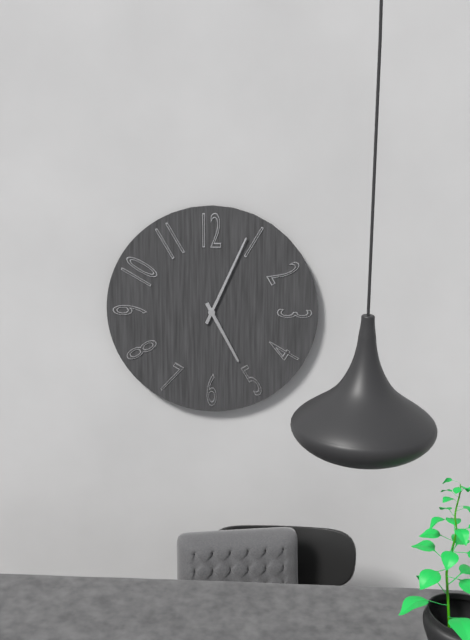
5:04
